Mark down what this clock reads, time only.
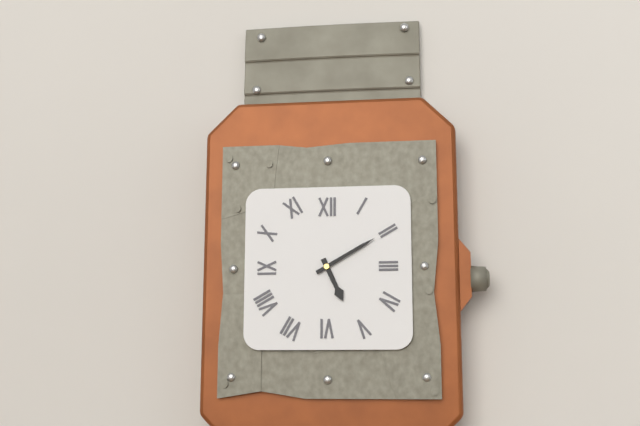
5:10
